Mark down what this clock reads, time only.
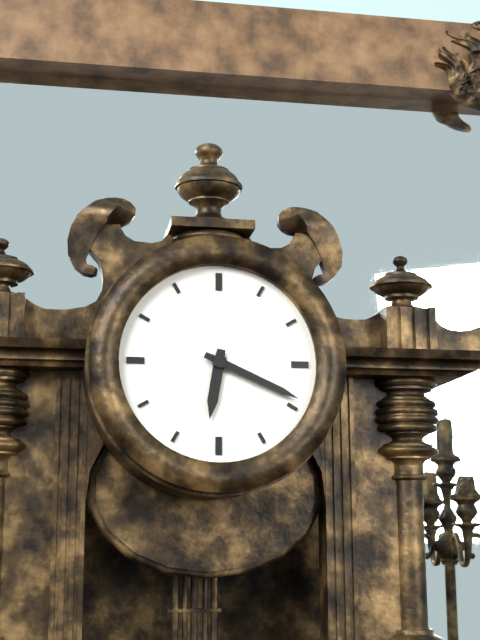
6:19
